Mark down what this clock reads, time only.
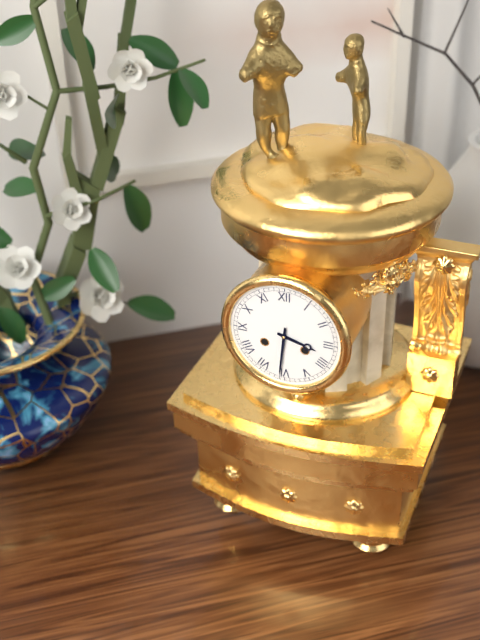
3:31
